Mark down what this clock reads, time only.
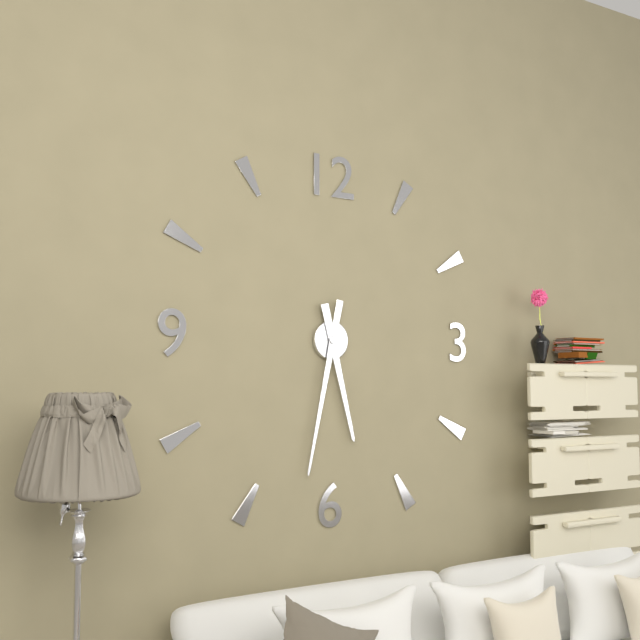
5:32
